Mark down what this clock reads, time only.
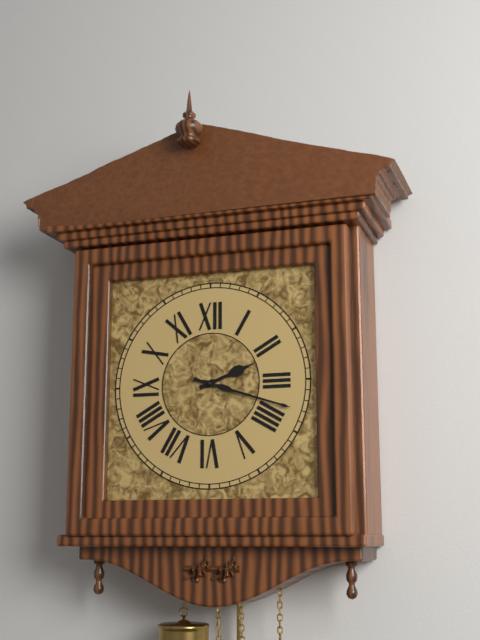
2:18
